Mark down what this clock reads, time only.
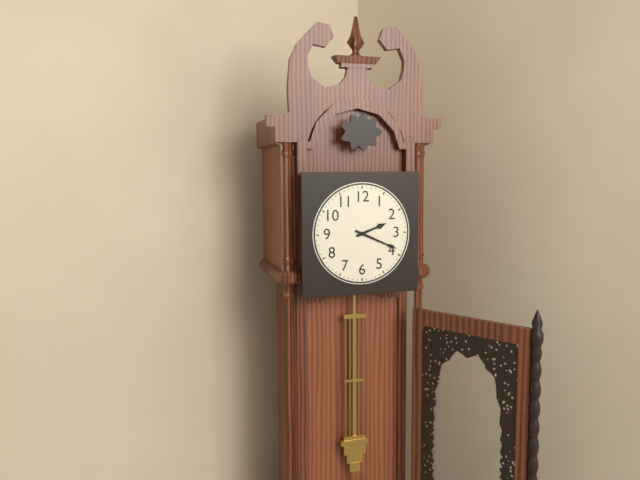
2:19
